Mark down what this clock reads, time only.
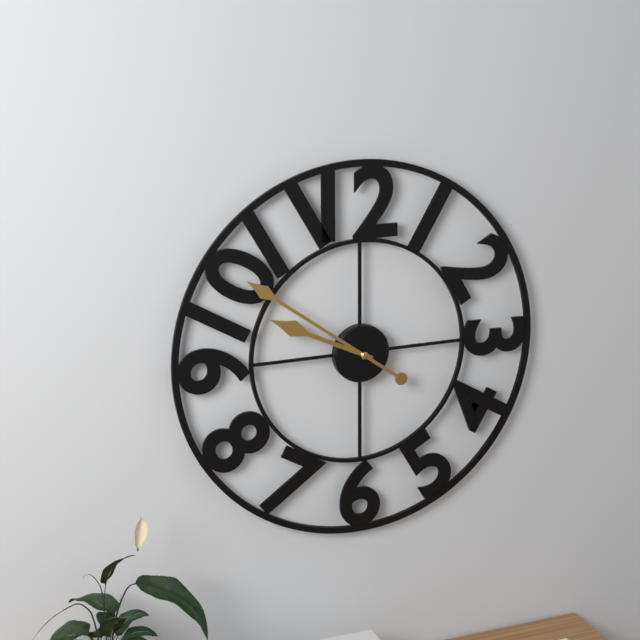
9:51
